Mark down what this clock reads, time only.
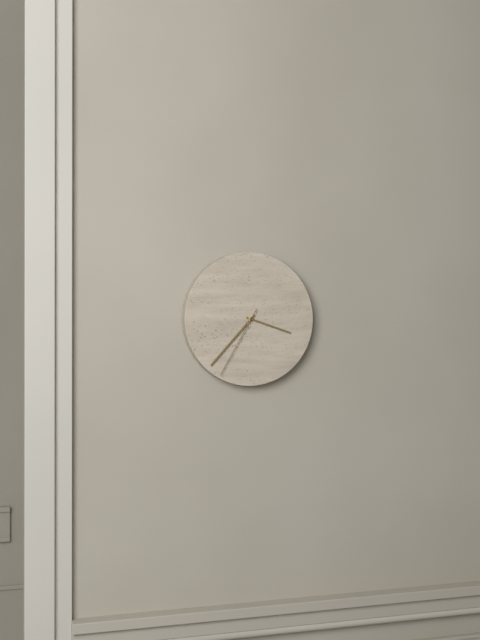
3:37:35
